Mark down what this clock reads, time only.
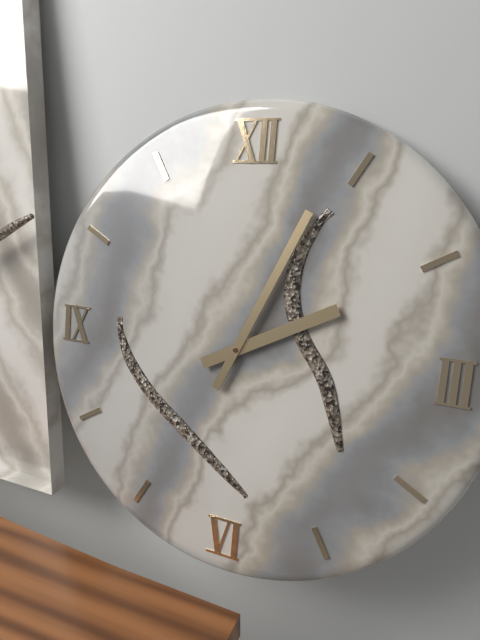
2:04
